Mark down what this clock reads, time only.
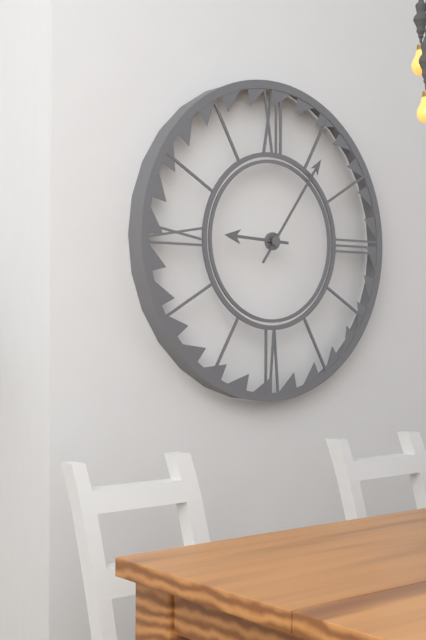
9:06
